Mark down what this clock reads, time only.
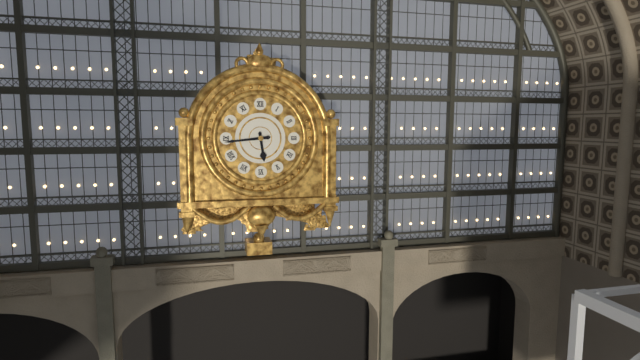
5:44
